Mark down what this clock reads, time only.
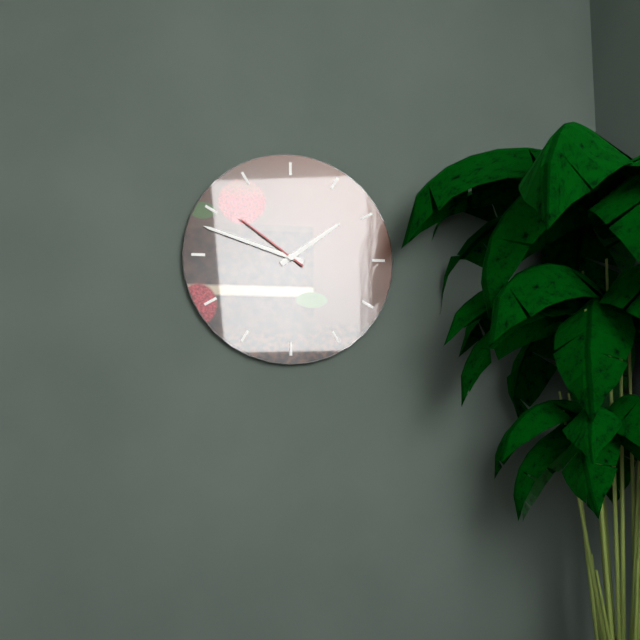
1:48:51
